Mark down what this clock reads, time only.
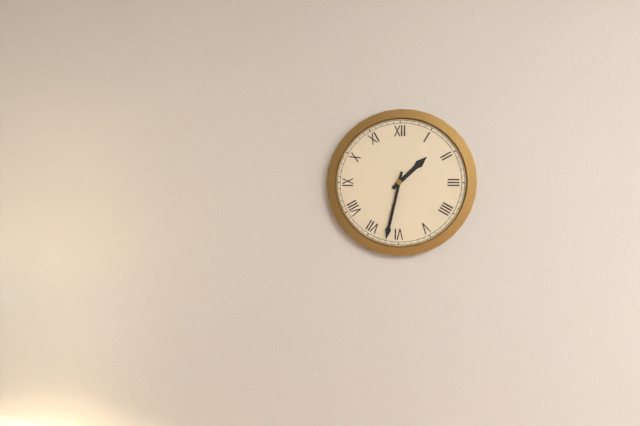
1:32
